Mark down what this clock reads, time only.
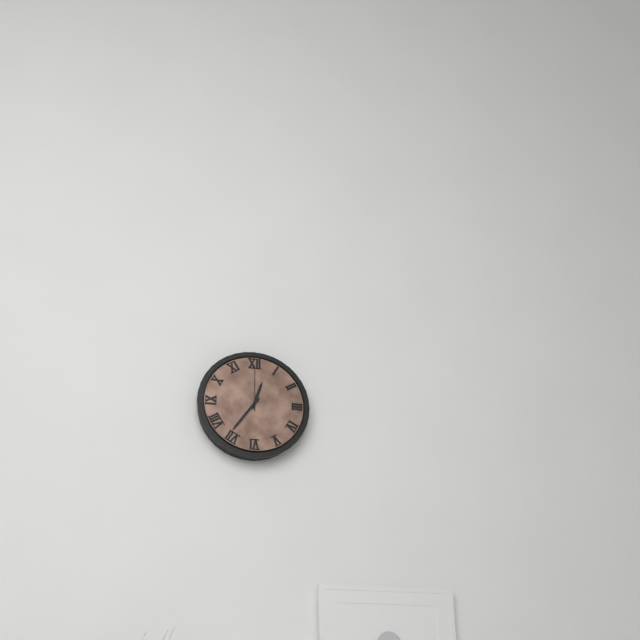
12:36
